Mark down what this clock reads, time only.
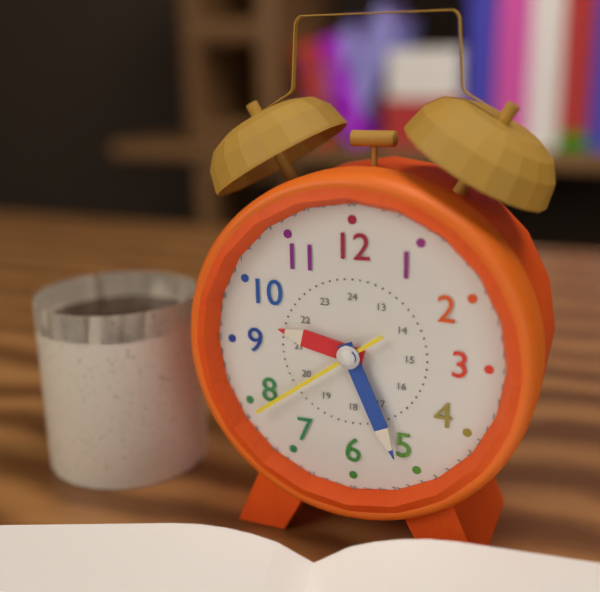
9:26:39
